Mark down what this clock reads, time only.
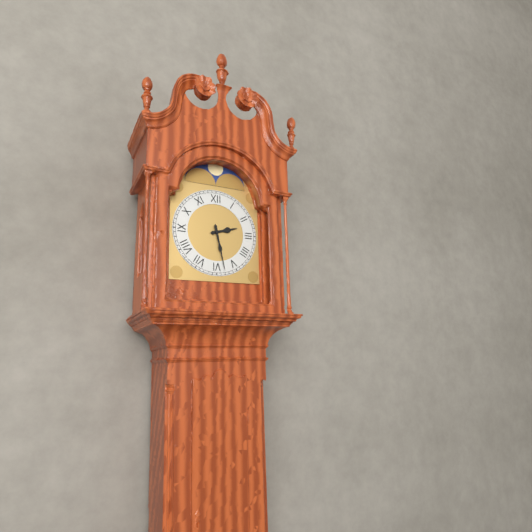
2:28
